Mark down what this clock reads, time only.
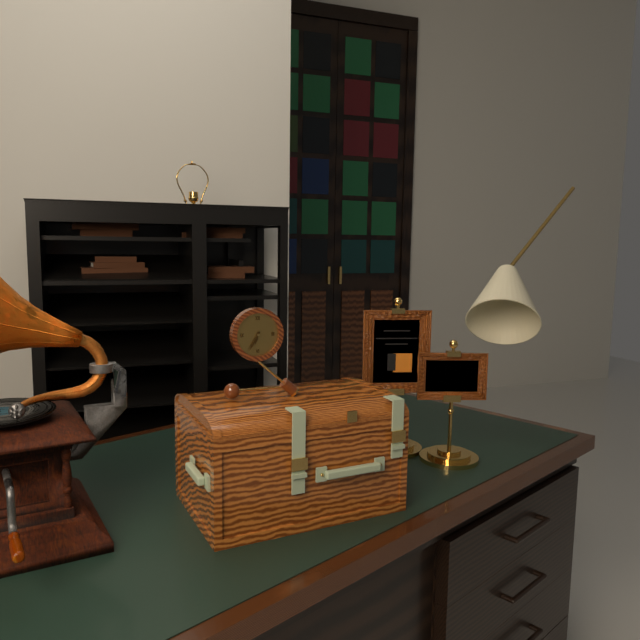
6:35
